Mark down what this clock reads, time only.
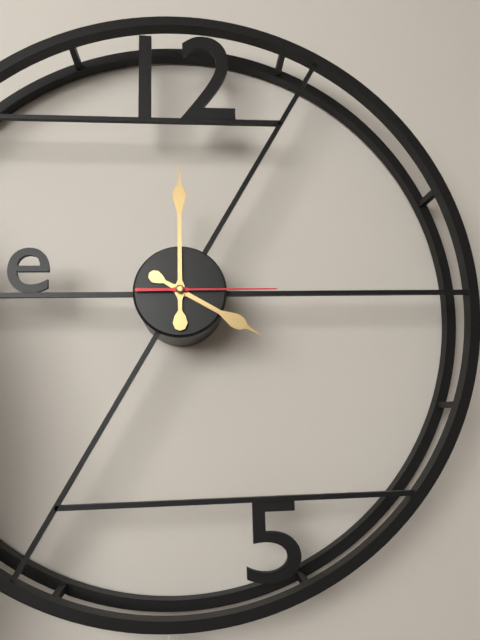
4:00:15
